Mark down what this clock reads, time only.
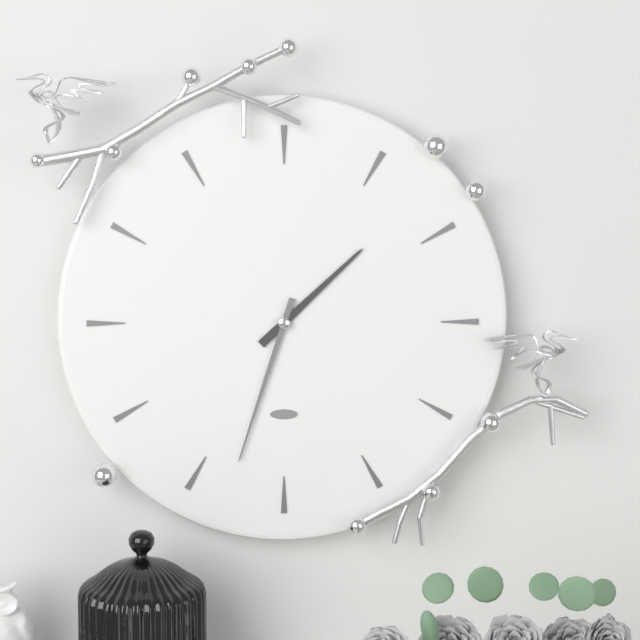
1:33
